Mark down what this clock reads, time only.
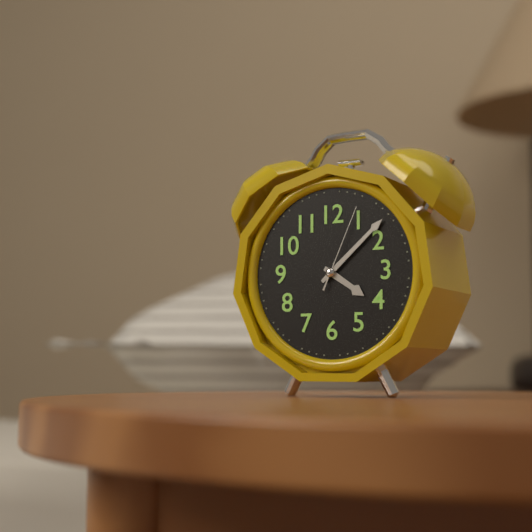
4:08:04
